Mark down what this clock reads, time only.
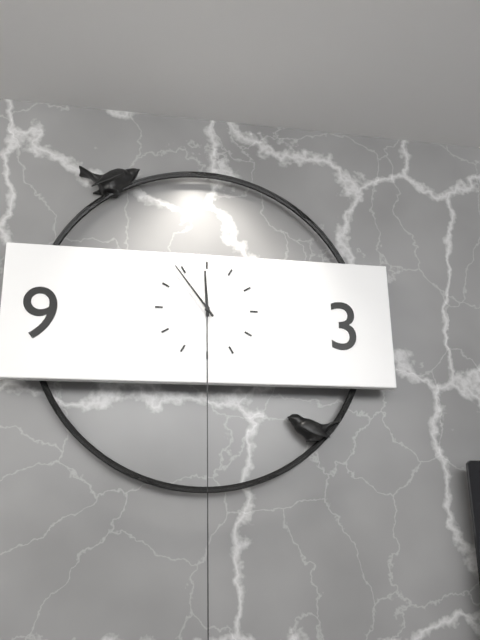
11:54
